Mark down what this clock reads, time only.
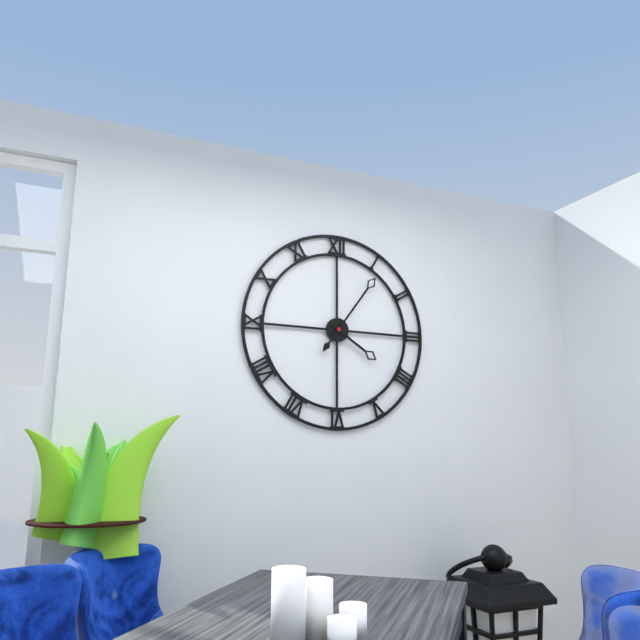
4:06
